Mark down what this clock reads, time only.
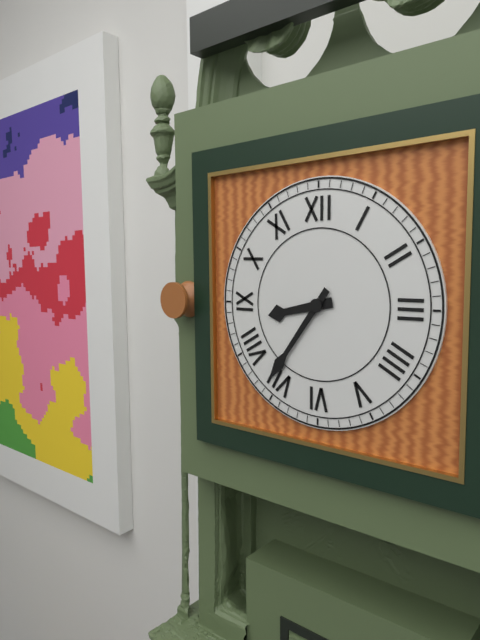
8:36
